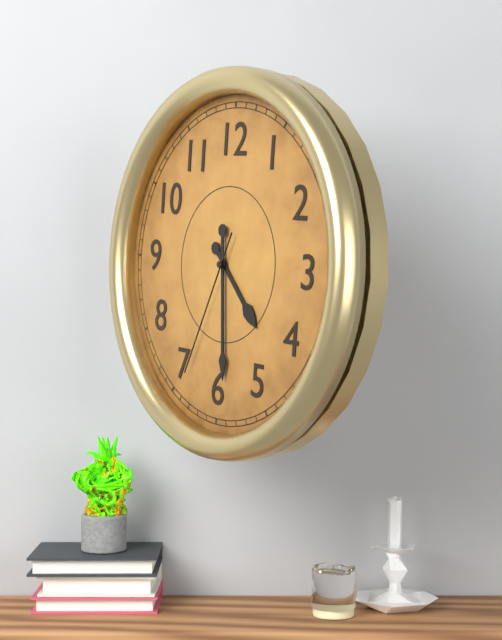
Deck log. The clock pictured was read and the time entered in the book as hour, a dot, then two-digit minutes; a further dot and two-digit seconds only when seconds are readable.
4.29.34
